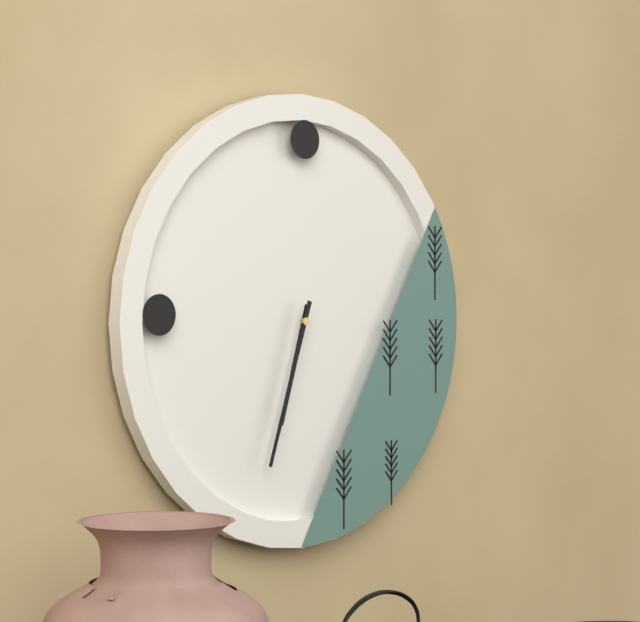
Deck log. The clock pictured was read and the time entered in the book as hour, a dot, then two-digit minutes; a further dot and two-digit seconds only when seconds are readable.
6.33
